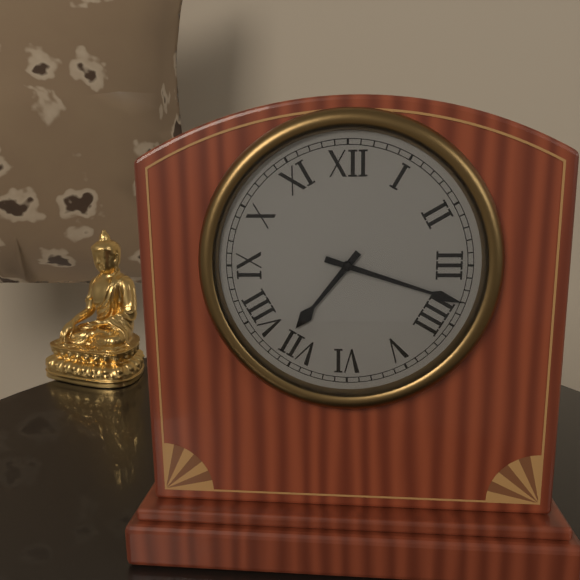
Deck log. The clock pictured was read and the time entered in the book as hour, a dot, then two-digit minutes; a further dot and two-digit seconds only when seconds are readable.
7.18
